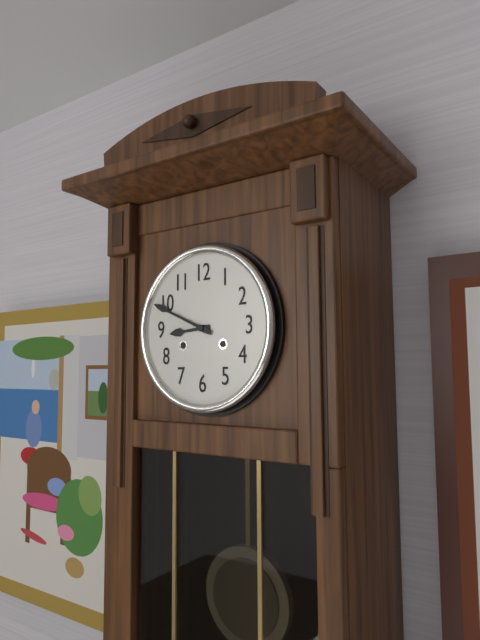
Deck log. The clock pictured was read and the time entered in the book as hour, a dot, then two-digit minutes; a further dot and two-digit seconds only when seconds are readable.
8.49
